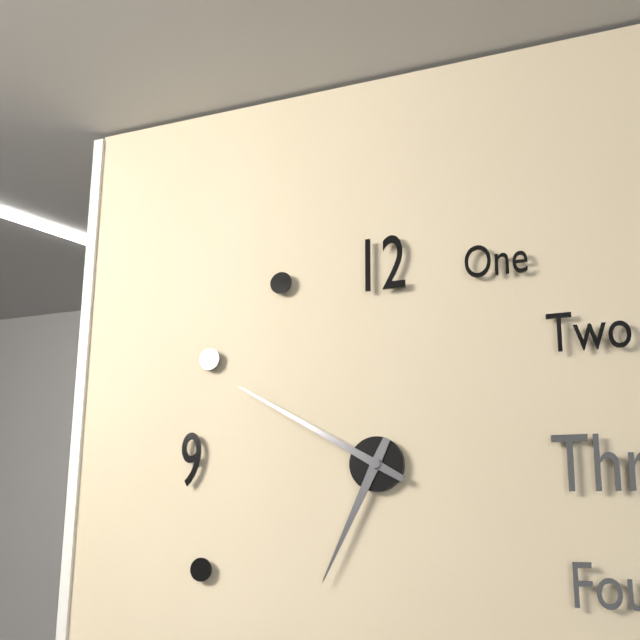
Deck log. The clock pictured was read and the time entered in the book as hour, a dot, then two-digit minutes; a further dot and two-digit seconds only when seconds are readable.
6.50
